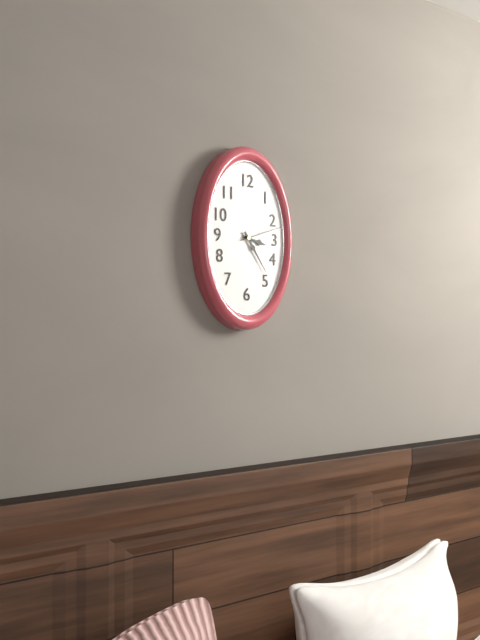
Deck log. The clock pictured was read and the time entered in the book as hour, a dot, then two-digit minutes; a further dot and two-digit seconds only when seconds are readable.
3.24
